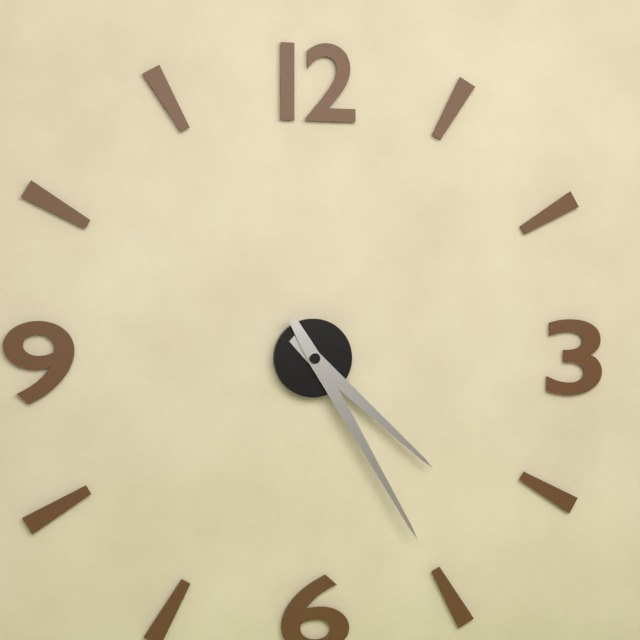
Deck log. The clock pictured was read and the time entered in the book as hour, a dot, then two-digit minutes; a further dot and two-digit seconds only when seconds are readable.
4.25
